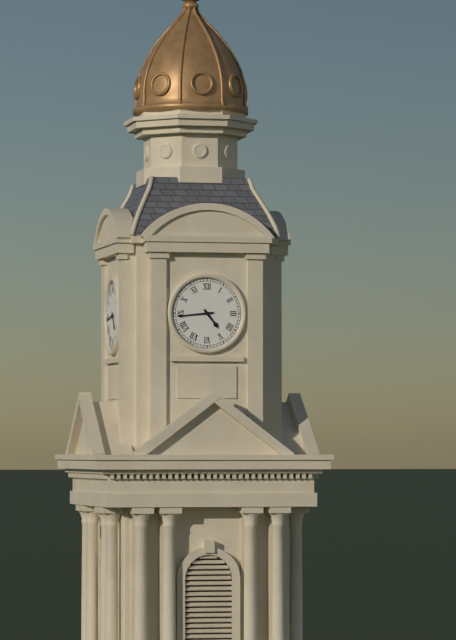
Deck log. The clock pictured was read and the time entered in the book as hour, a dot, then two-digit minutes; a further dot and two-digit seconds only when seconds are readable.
4.44
